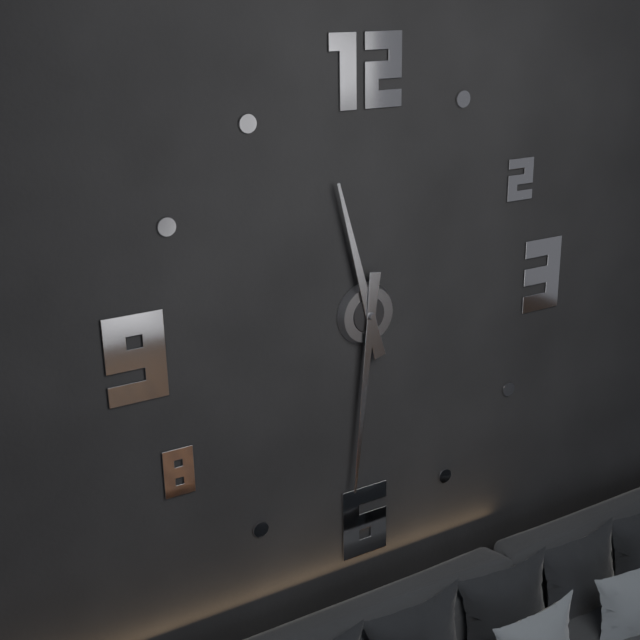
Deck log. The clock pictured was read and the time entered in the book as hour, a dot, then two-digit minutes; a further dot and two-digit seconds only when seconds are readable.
11.31
